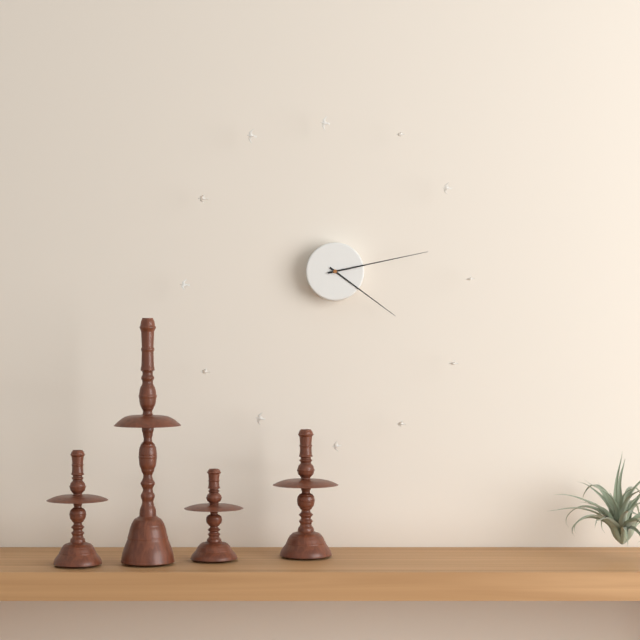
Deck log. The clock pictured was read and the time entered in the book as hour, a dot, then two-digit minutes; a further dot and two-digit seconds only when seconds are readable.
4.13
